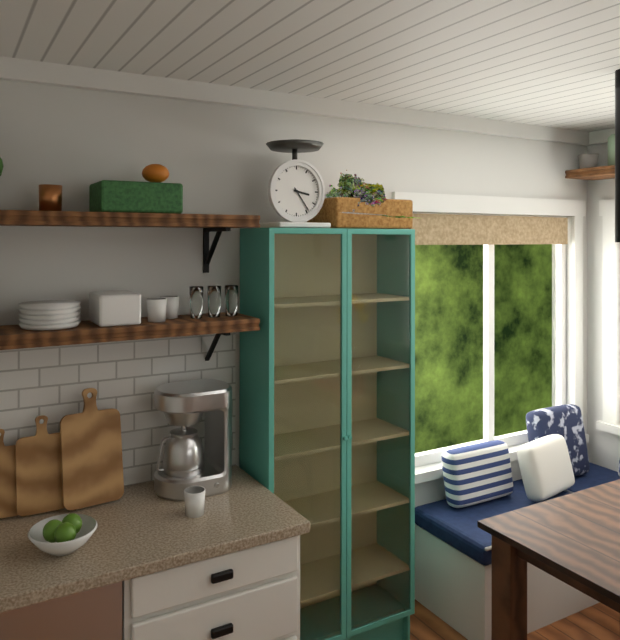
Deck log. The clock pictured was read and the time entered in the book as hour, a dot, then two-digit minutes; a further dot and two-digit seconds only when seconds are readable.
3.24
